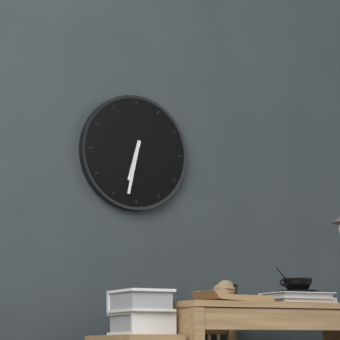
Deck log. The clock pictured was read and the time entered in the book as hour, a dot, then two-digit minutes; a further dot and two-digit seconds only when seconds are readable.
6.32
